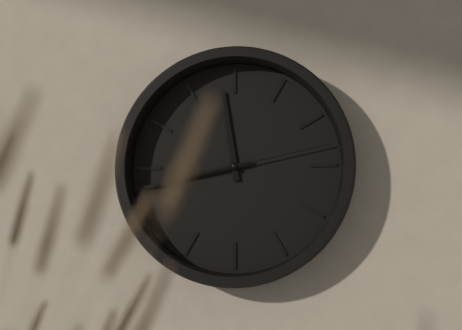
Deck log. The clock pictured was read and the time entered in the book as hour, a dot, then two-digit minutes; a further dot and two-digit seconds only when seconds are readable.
11.43.13
